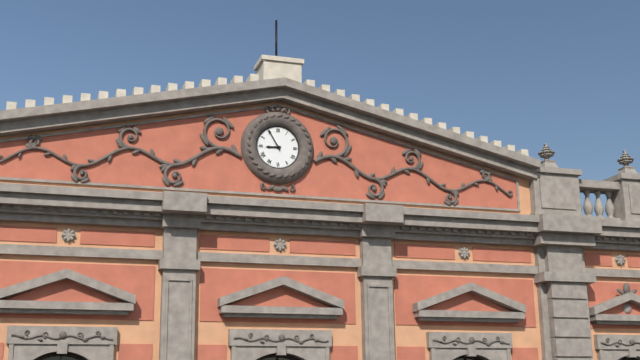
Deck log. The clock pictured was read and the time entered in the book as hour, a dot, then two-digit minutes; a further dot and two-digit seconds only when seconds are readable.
8.55
